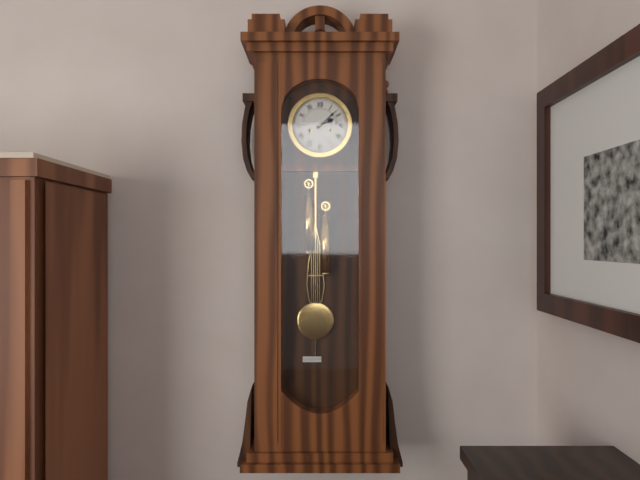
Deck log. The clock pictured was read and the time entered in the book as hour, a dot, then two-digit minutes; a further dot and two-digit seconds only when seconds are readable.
2.08
